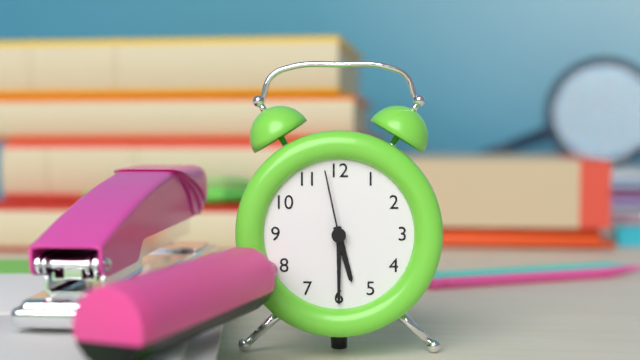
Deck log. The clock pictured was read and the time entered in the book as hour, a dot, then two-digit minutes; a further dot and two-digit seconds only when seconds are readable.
5.30.58
